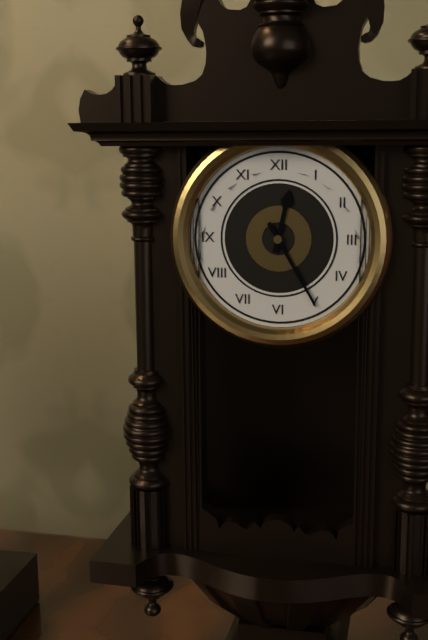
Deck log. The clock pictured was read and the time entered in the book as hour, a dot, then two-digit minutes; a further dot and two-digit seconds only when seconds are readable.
12.25
